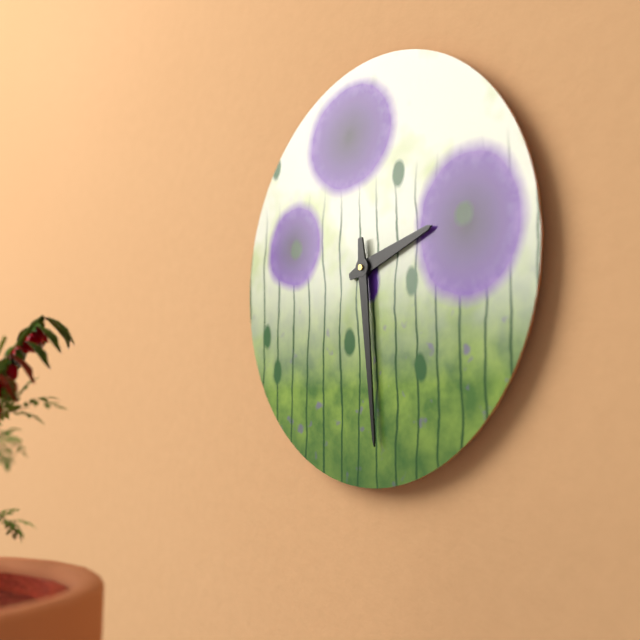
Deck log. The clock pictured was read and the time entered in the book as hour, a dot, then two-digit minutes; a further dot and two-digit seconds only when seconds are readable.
2.29
